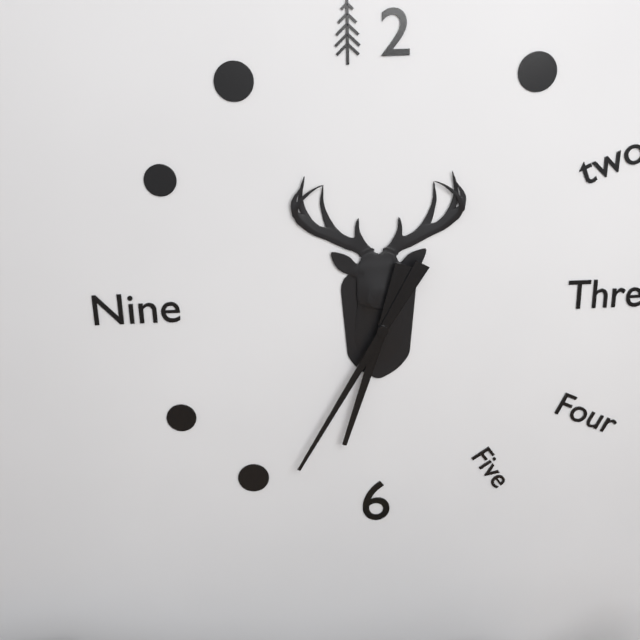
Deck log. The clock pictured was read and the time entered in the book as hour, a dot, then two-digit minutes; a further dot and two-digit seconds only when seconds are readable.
6.35
